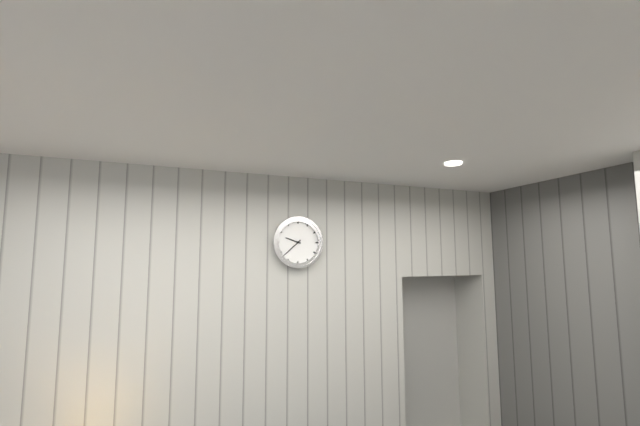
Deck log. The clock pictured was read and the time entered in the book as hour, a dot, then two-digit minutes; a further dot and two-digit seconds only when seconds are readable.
9.38
